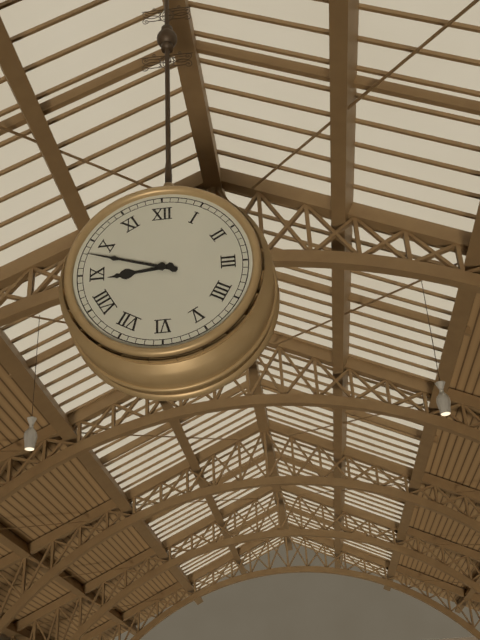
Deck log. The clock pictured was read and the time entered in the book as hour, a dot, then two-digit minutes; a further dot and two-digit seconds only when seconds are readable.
8.48
